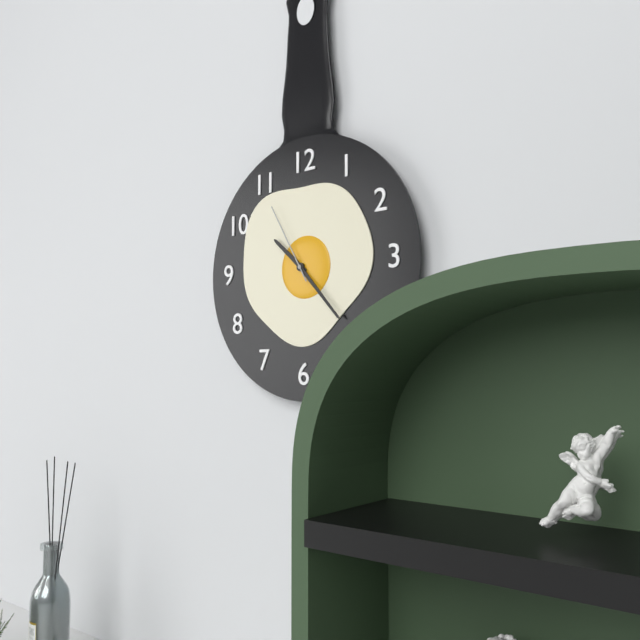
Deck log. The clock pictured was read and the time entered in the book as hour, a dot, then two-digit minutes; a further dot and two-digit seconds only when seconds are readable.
10.23.55
